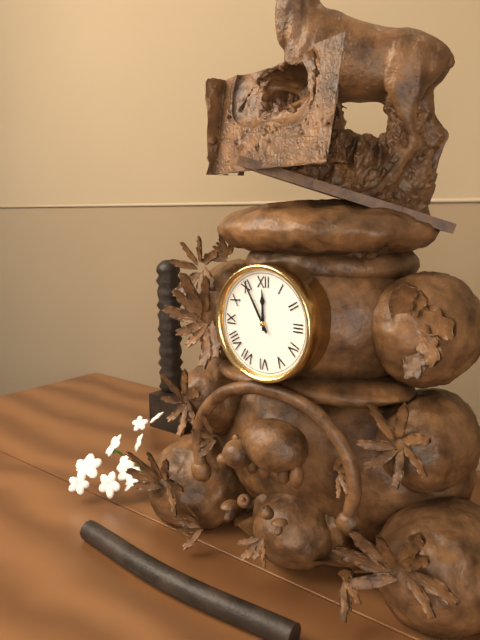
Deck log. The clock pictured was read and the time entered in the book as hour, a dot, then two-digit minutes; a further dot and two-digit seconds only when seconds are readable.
11.55
